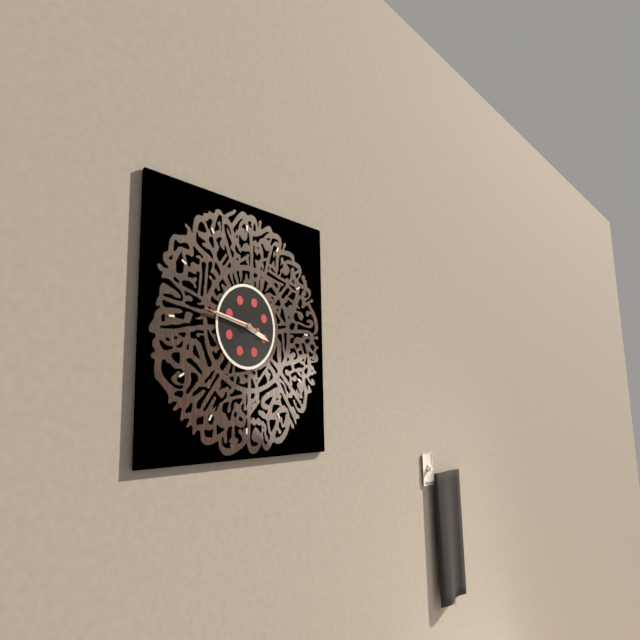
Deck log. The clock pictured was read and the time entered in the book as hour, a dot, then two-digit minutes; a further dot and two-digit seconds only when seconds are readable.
3.47.47
